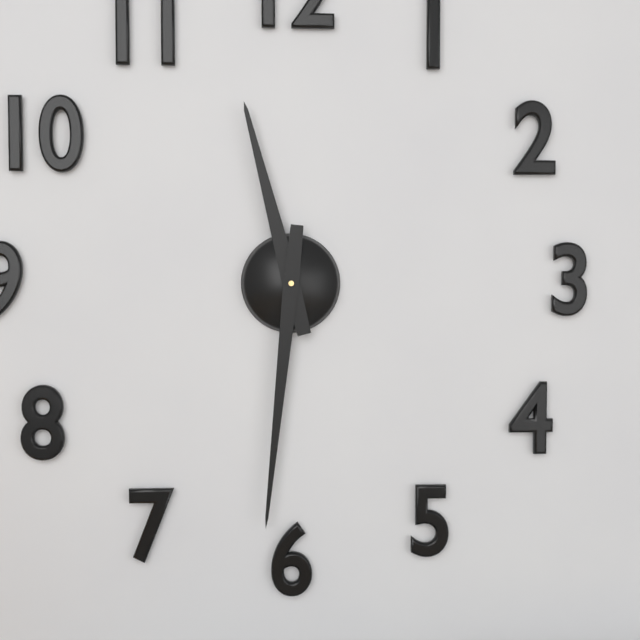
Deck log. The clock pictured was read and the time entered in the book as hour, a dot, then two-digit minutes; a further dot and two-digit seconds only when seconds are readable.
11.31
